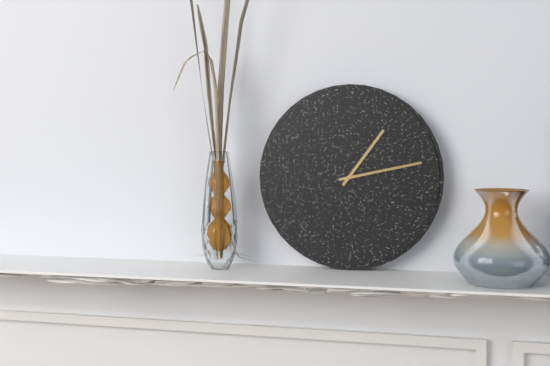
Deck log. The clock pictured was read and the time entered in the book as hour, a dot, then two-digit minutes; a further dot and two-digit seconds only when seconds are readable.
1.13
